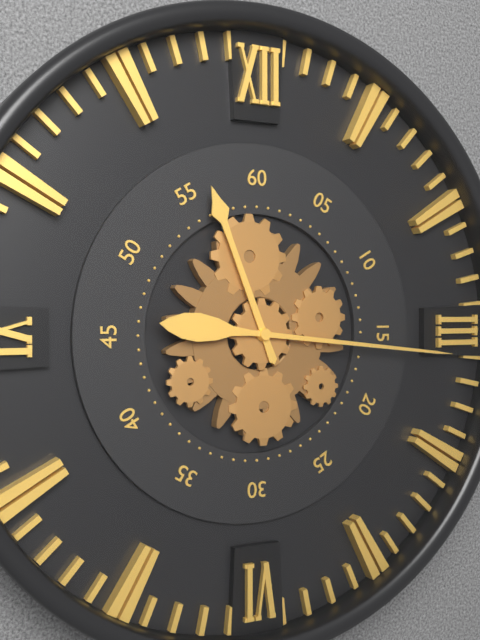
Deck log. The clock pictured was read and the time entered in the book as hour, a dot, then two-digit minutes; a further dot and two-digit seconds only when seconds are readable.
11.16
